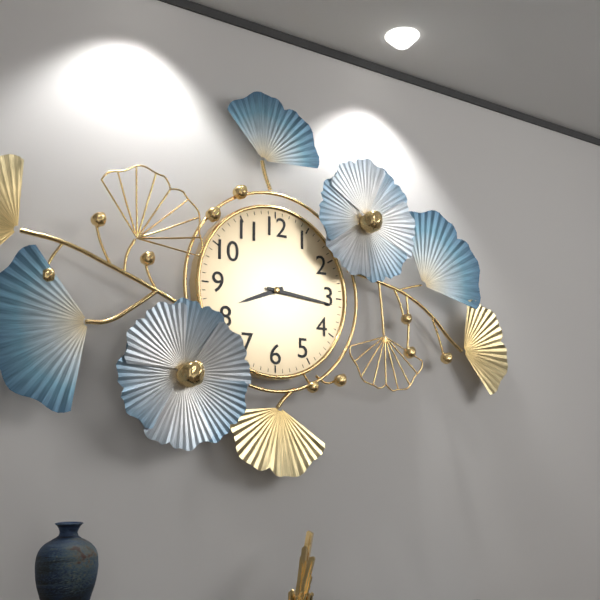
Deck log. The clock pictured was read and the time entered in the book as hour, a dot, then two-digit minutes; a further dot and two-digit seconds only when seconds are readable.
8.16
